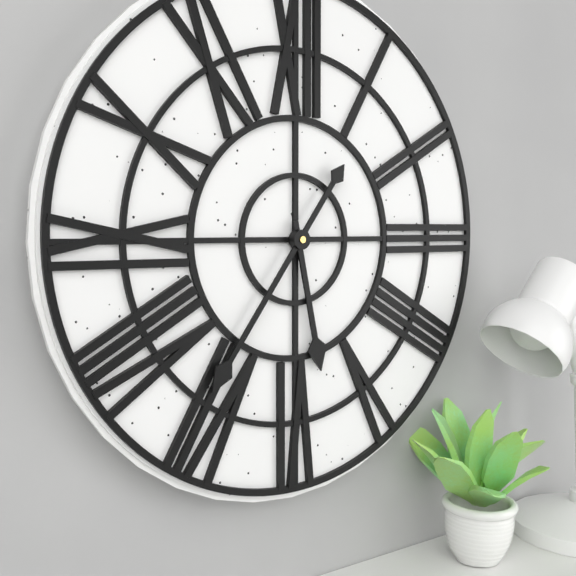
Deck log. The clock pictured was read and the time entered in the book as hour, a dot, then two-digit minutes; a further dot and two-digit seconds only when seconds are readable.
5.36
